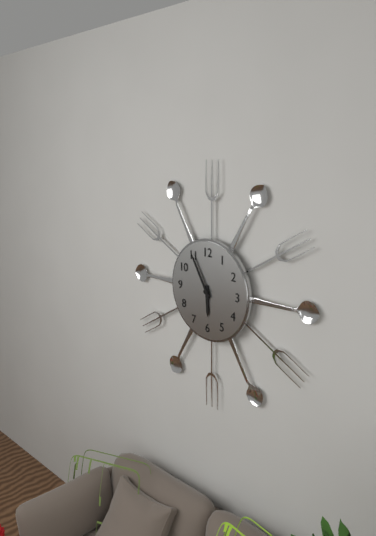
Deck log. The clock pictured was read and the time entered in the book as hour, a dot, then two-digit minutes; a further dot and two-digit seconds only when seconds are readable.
5.55
